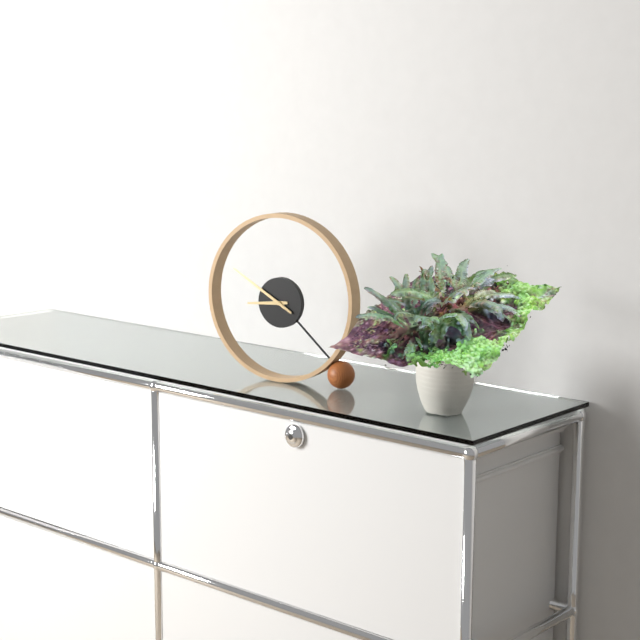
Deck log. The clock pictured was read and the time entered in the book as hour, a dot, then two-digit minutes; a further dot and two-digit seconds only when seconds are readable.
8.50
